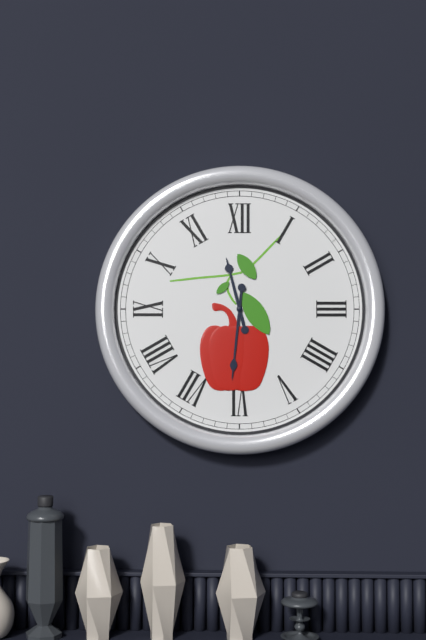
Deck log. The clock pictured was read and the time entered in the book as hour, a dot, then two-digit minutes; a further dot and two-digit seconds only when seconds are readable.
11.31
